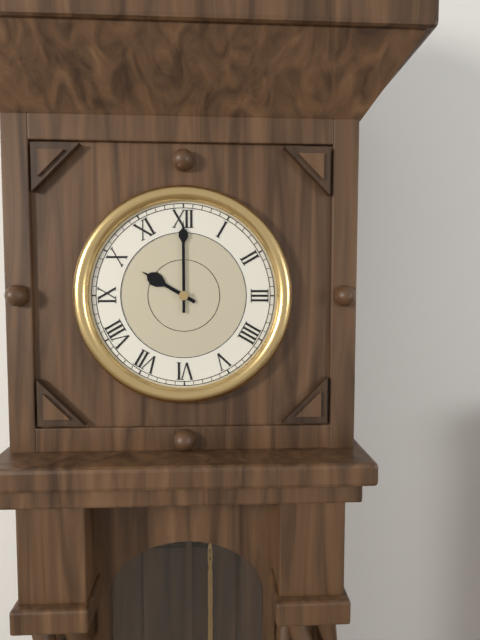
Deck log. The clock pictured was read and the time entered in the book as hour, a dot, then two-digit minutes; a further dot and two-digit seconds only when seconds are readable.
10.00
